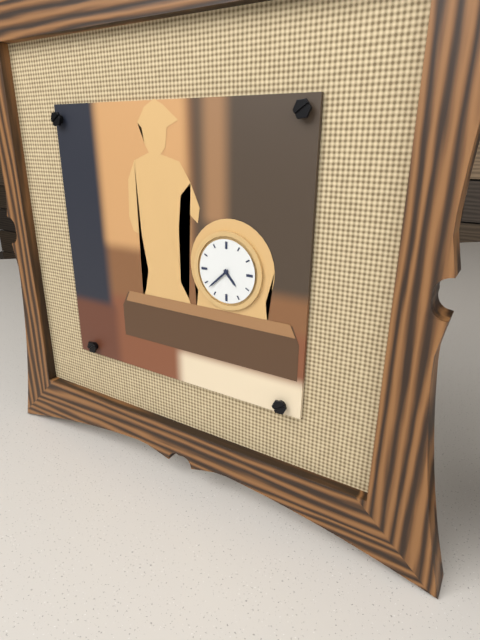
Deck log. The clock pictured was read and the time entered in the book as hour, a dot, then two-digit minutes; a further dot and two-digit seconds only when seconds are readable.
4.38
